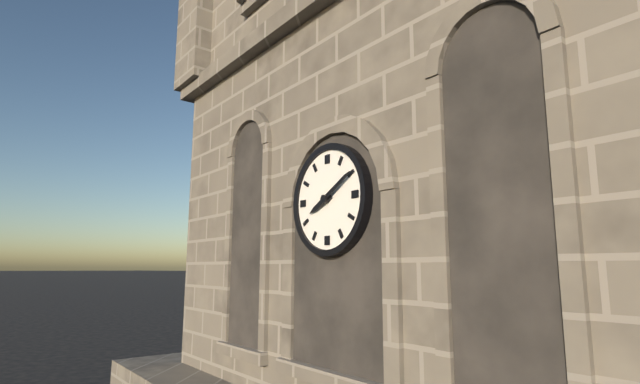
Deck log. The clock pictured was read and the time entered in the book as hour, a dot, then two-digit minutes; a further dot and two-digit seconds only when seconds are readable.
8.10
